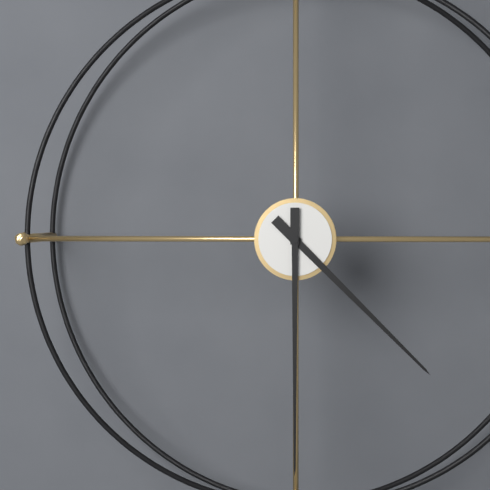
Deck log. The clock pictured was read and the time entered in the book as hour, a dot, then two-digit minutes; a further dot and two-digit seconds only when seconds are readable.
4.30
